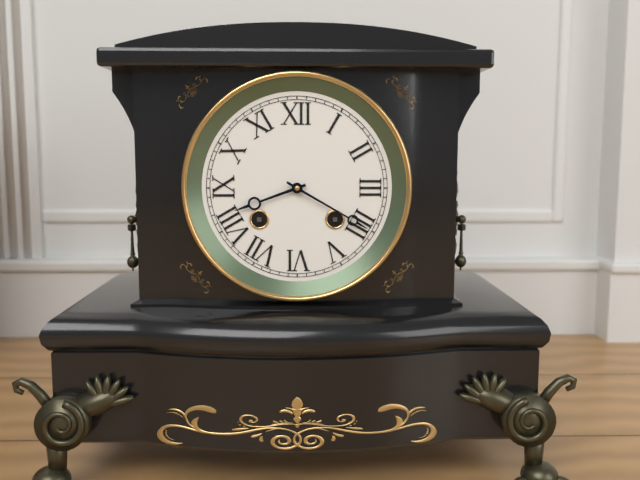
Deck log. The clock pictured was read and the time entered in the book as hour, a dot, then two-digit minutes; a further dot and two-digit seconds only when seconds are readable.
8.20
